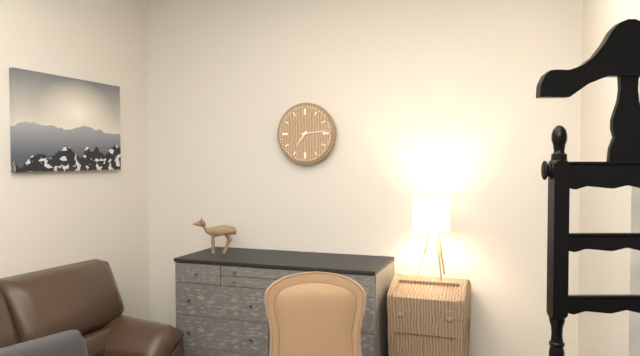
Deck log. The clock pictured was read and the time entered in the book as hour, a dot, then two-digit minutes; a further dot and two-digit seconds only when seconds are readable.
7.14
